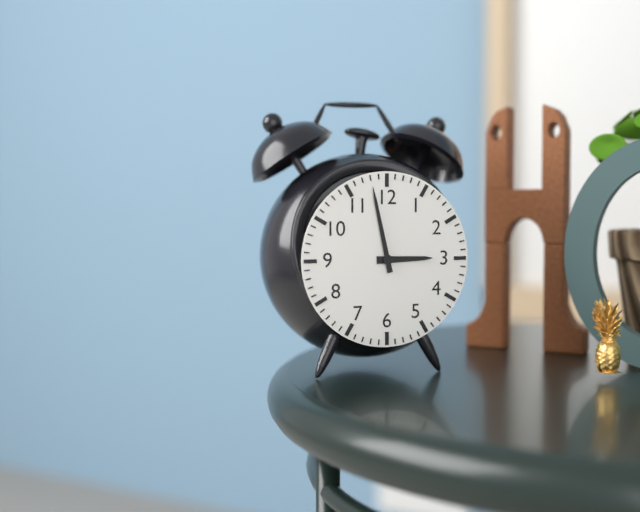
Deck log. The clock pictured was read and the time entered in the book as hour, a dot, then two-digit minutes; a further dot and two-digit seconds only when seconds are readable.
2.58
